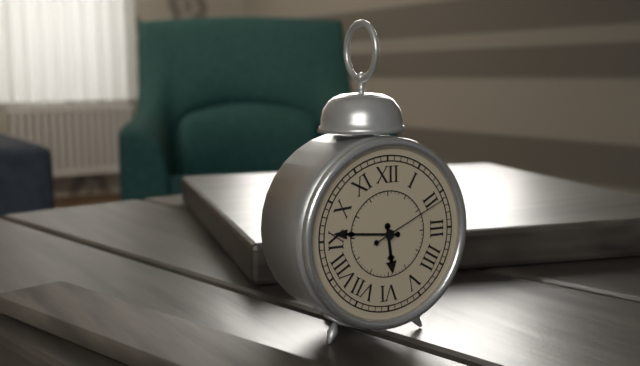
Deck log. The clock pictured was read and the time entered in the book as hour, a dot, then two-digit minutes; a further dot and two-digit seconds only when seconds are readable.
5.46.11
